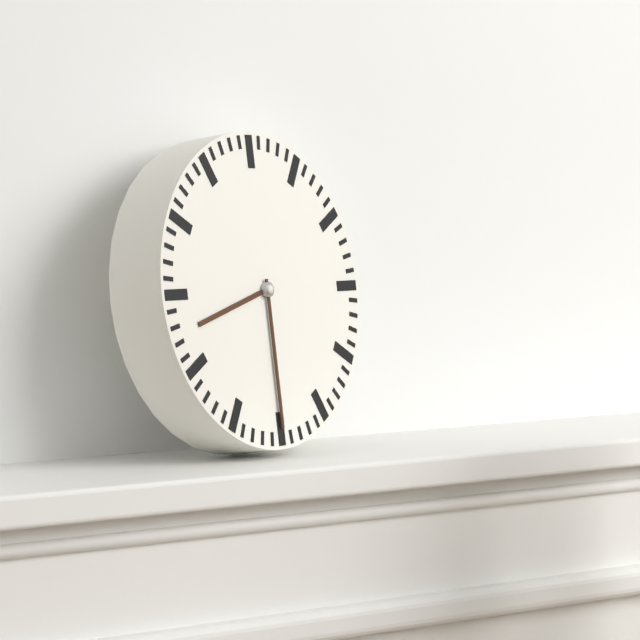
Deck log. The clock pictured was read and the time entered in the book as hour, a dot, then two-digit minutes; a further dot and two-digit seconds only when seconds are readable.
8.30
